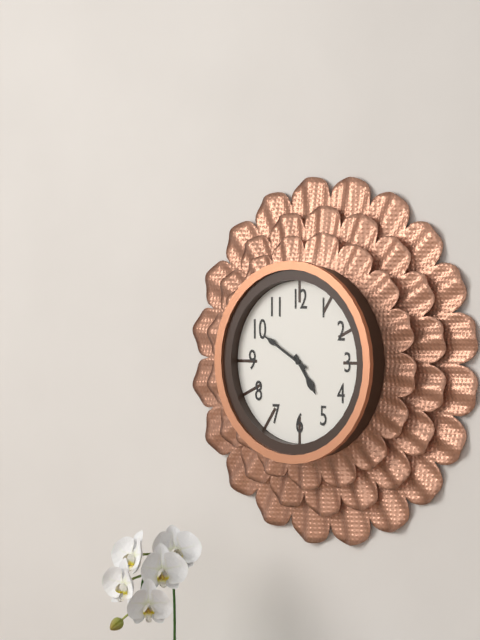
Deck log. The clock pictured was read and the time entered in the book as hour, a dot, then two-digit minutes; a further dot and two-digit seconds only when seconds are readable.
4.50
